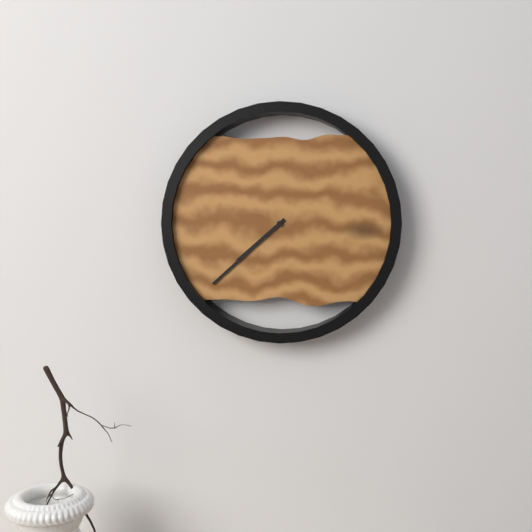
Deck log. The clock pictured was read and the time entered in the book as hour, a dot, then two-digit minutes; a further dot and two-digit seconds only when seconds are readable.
7.38
